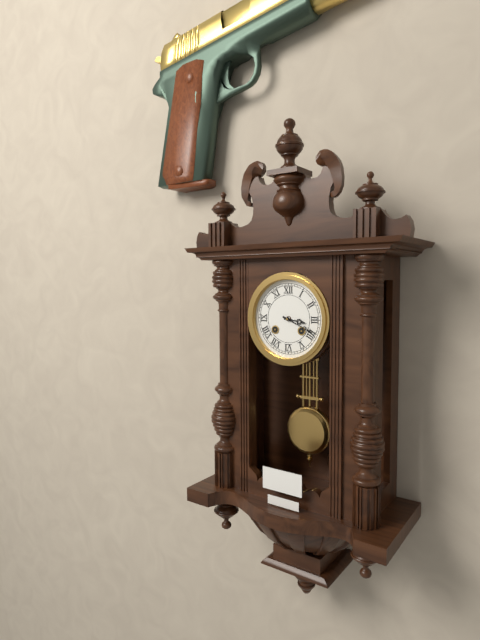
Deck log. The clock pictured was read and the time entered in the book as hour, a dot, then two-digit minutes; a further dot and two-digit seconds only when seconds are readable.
3.19
